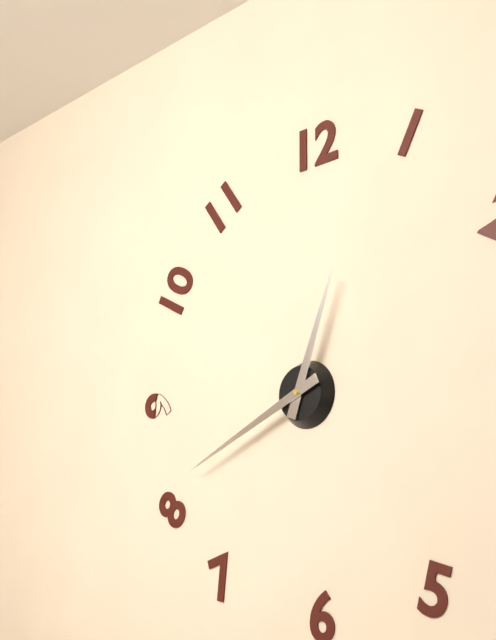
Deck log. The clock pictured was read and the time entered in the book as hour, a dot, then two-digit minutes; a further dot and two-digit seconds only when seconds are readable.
12.41
